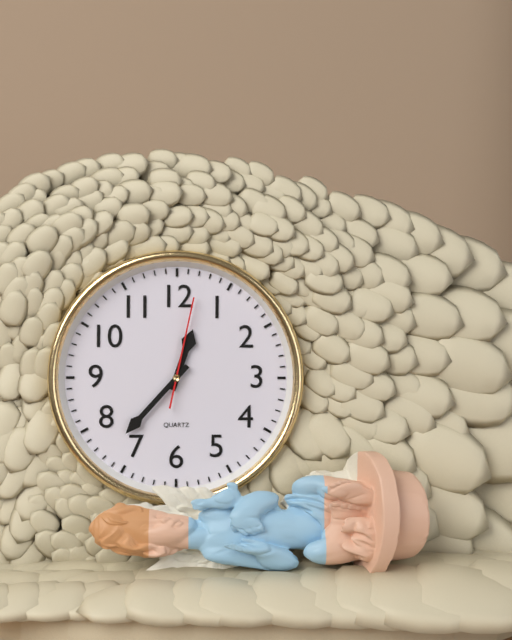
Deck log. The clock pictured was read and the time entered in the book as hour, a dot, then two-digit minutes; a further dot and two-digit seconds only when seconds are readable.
12.37.02
